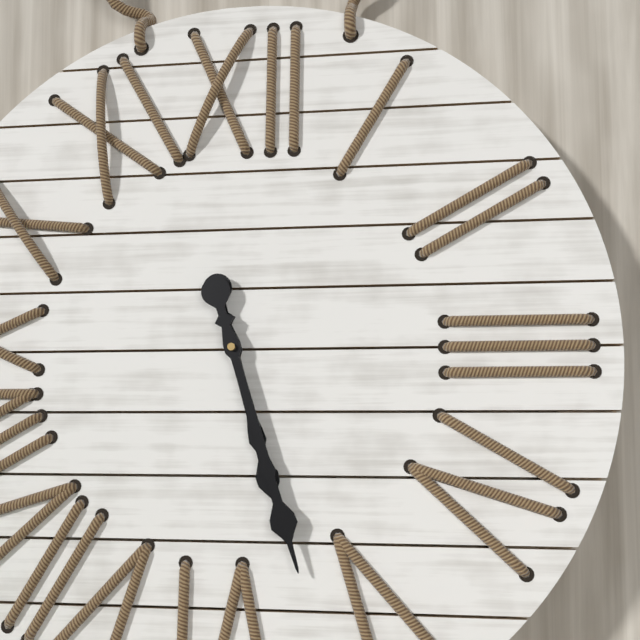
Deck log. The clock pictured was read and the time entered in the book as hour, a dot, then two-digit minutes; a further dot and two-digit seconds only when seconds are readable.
5.27
